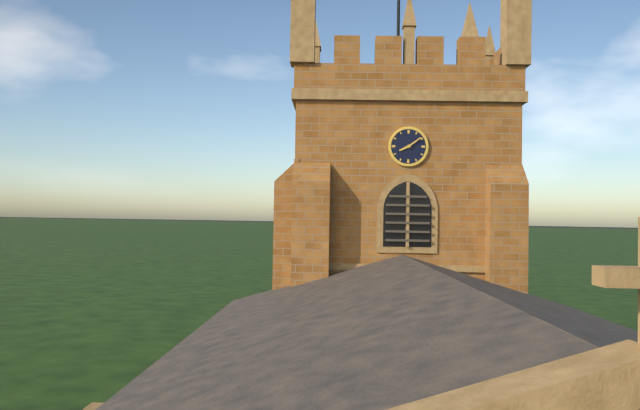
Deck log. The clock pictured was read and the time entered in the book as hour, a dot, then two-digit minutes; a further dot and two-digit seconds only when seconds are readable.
8.09
